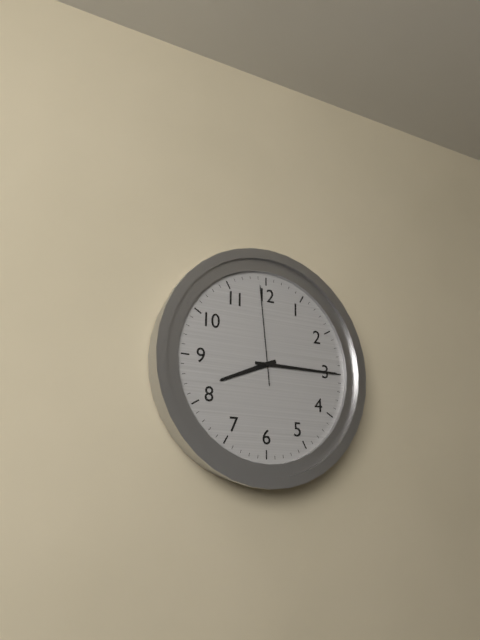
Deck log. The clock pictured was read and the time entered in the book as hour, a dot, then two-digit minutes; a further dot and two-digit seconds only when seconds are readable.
8.15.59
